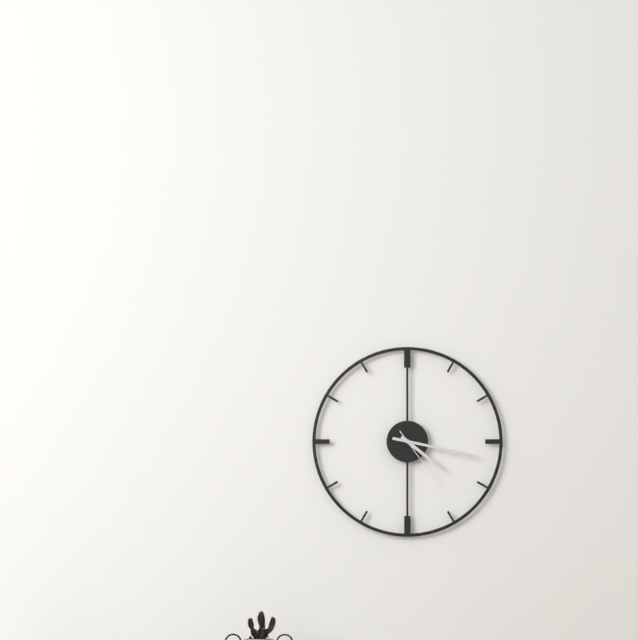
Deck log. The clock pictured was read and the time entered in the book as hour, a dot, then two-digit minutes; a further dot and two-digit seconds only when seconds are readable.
4.17.24
